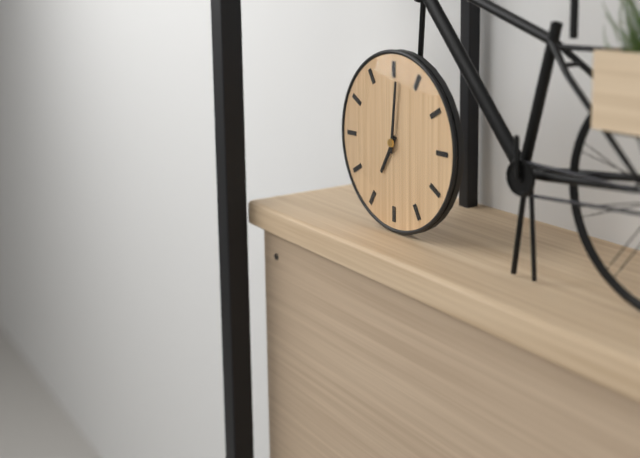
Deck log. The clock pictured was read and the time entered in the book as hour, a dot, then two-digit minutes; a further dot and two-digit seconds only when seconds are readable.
7.01
